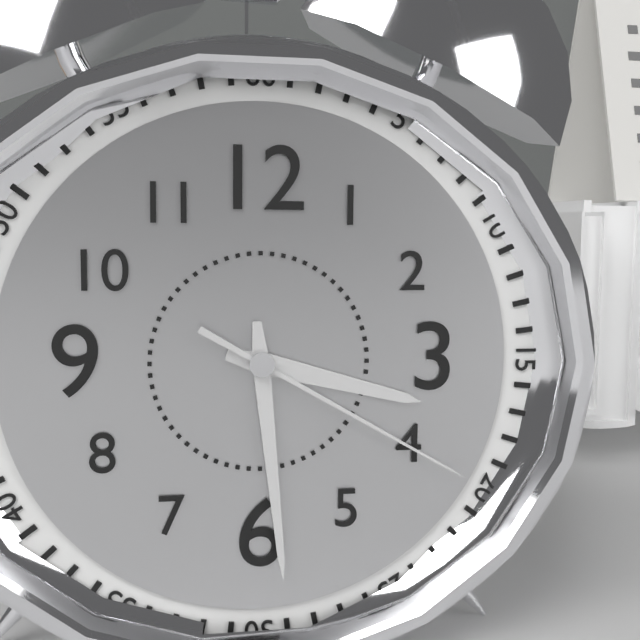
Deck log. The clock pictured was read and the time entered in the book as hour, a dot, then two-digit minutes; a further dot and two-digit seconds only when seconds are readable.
3.29.20
